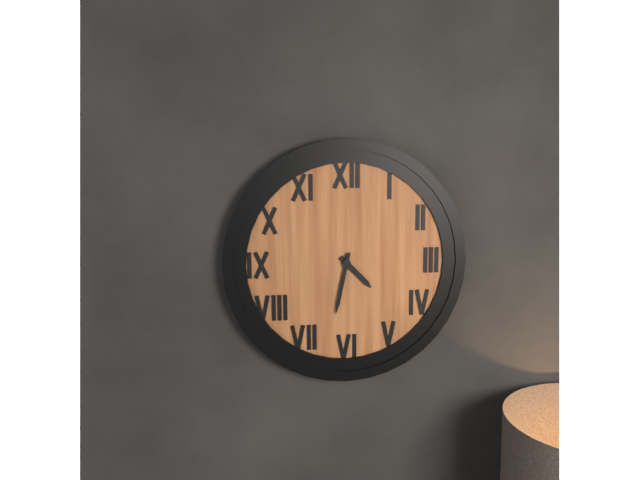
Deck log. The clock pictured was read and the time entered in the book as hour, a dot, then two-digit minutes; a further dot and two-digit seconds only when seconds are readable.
4.32
